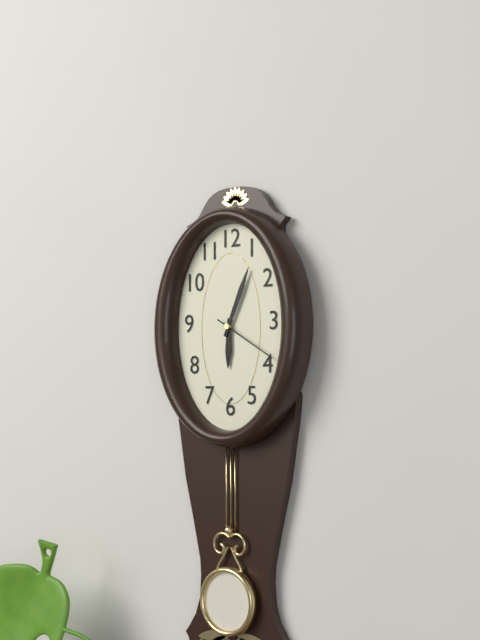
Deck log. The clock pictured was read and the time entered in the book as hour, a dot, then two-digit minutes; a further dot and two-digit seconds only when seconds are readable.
6.04.20
